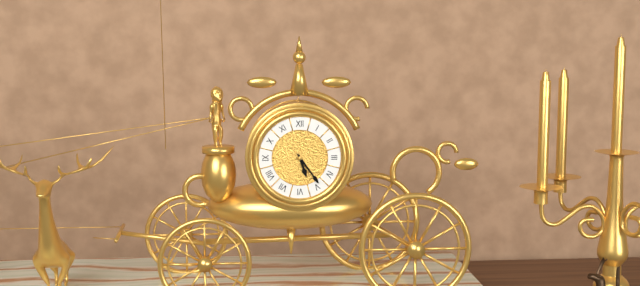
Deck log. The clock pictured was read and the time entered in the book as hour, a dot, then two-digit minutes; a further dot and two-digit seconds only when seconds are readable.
5.24
